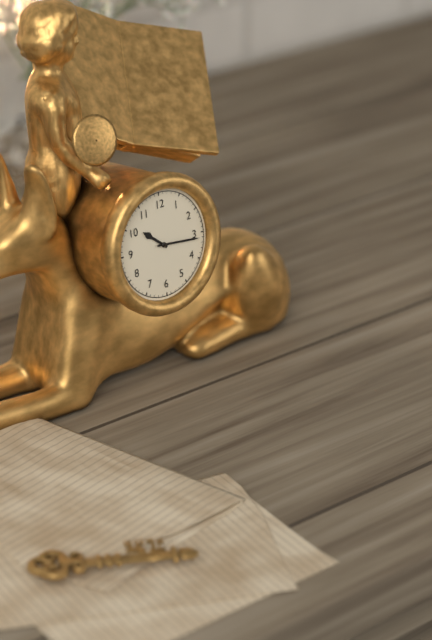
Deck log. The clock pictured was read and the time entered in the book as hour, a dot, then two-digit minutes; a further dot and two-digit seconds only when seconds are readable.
10.16
